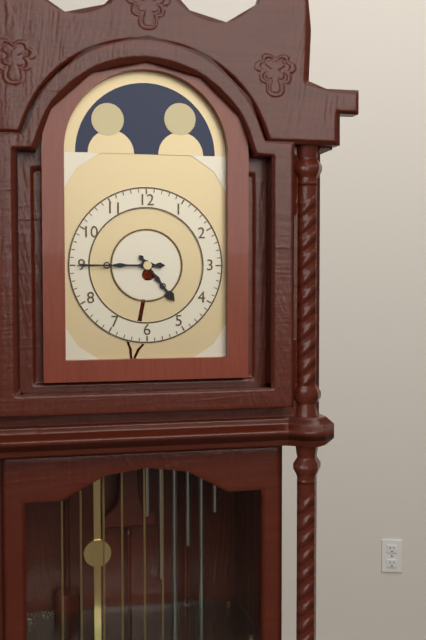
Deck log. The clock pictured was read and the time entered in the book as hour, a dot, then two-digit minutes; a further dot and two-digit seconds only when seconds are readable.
4.45
